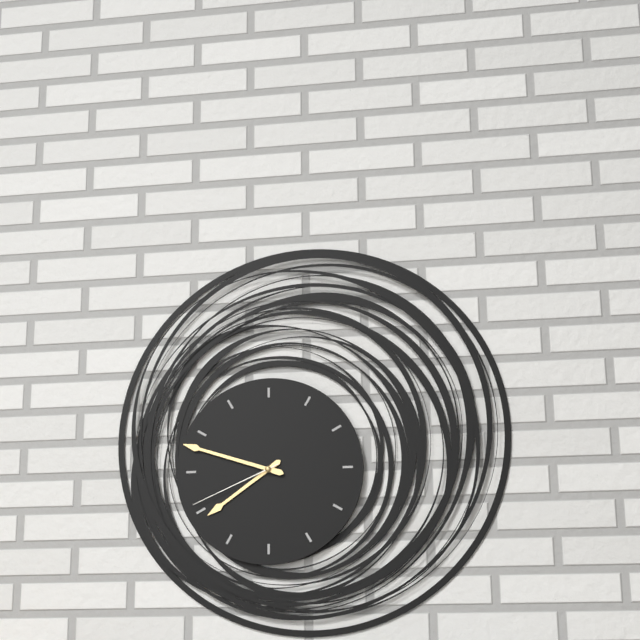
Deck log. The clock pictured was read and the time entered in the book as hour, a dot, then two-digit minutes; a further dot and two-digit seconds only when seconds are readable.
7.48.41
